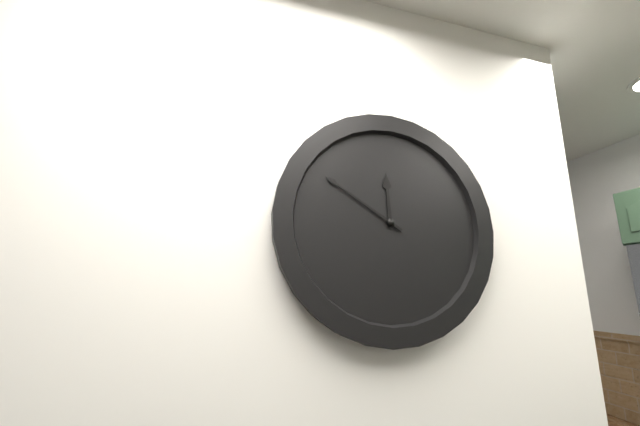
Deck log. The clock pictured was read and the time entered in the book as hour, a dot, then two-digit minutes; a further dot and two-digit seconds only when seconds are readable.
11.50
